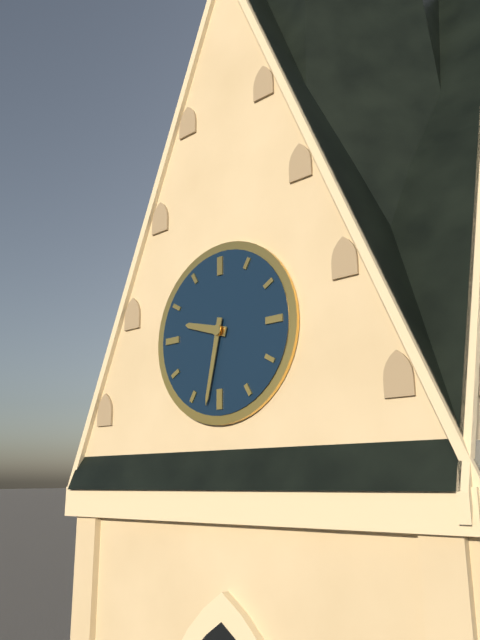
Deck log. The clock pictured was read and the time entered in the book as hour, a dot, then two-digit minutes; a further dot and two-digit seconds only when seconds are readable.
9.32
